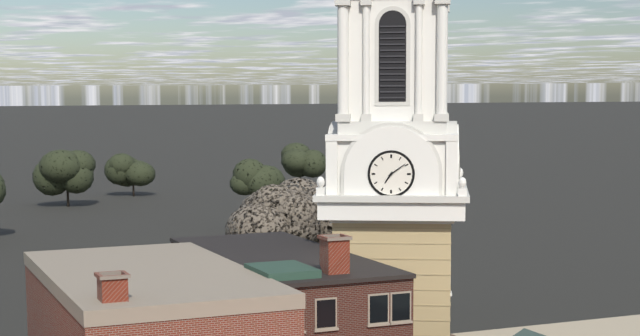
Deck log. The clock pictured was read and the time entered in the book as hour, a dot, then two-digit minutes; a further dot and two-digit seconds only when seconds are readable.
7.09
